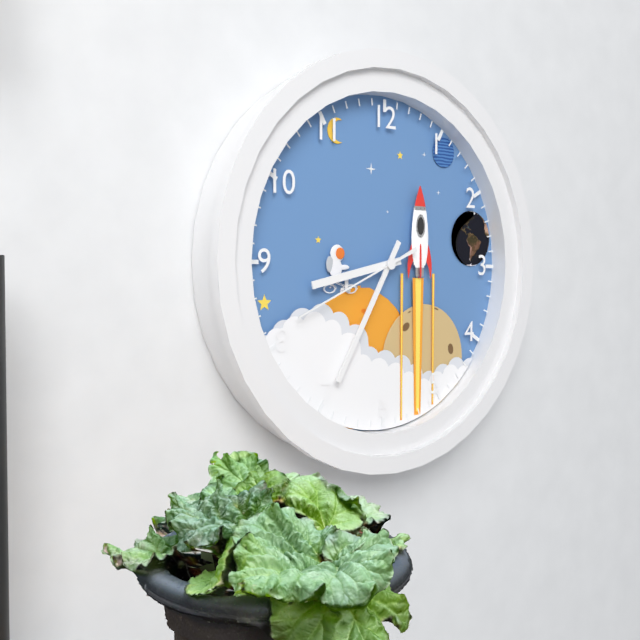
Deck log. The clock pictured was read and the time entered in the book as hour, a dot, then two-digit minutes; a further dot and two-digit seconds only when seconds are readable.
8.35.41
